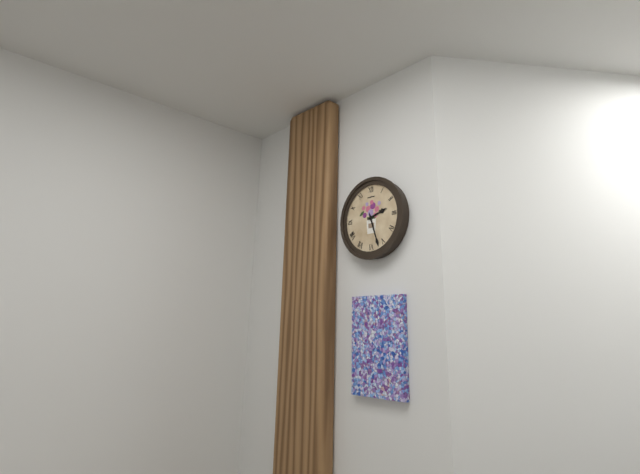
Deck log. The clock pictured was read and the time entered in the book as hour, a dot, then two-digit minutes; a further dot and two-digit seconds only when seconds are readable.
2.27
